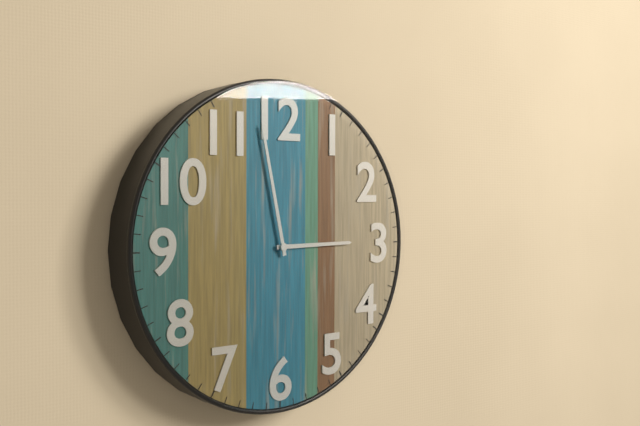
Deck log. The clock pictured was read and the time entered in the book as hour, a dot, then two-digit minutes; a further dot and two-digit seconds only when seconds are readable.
2.58
